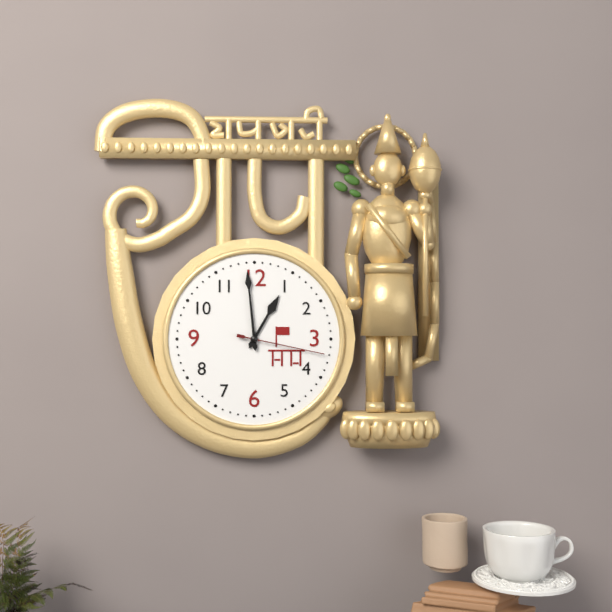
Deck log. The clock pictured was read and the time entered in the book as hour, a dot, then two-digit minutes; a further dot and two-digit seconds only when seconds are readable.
12.59.17
